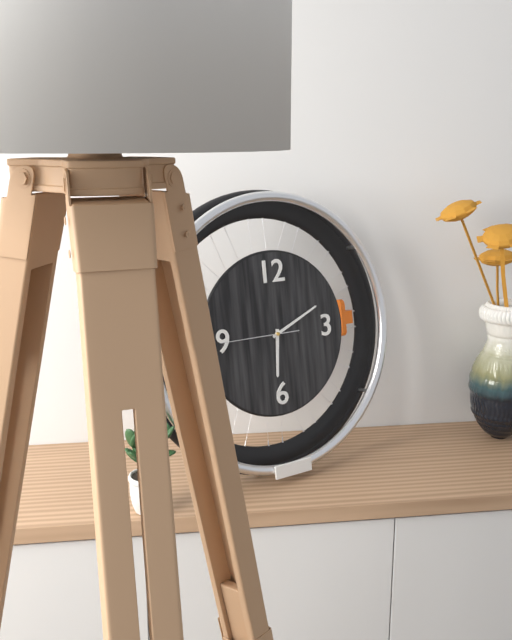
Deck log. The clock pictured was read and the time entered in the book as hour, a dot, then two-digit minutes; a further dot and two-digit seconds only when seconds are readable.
6.11.45
